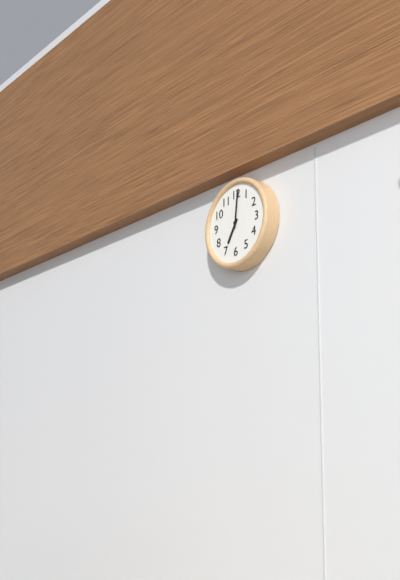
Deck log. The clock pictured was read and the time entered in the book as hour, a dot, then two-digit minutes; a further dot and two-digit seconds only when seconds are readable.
7.01
